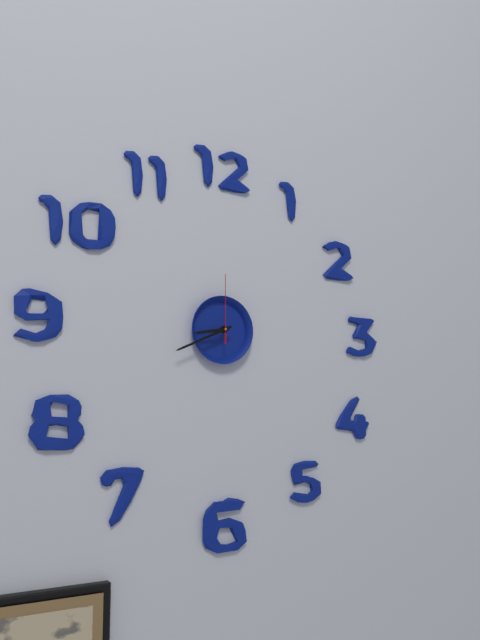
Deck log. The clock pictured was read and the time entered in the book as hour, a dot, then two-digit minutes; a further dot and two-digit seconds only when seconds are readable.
8.41.00
